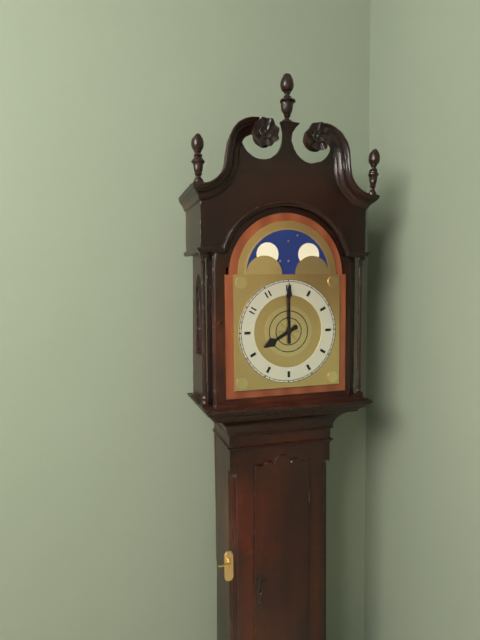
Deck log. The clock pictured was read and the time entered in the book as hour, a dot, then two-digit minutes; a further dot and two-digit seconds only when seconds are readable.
8.00
